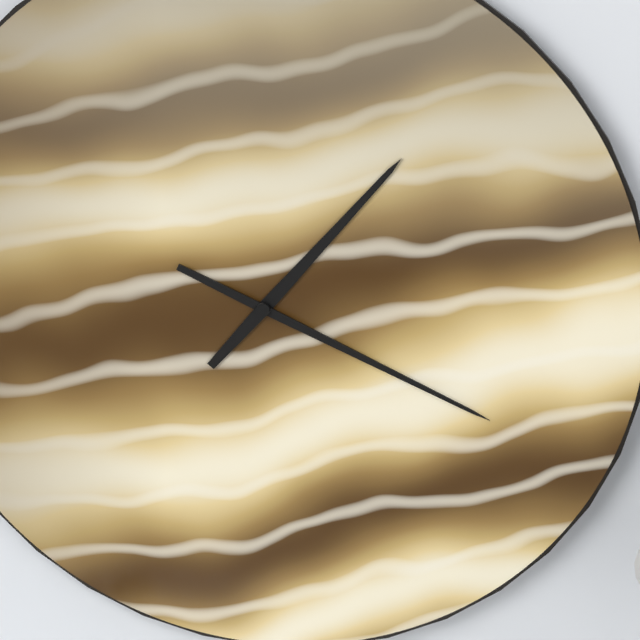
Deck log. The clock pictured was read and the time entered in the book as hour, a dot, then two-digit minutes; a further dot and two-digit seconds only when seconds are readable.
1.19
